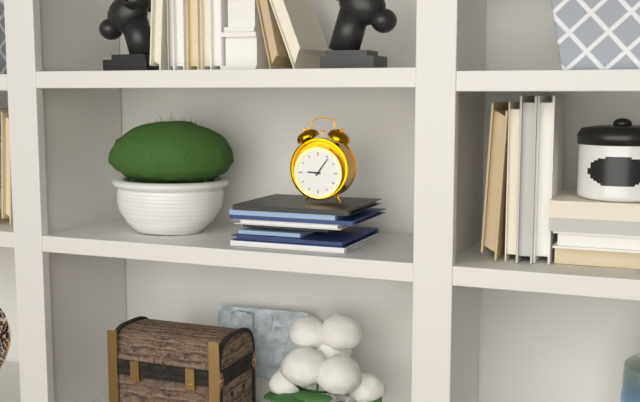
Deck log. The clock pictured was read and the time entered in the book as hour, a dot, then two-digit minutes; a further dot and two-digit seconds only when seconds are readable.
9.06
